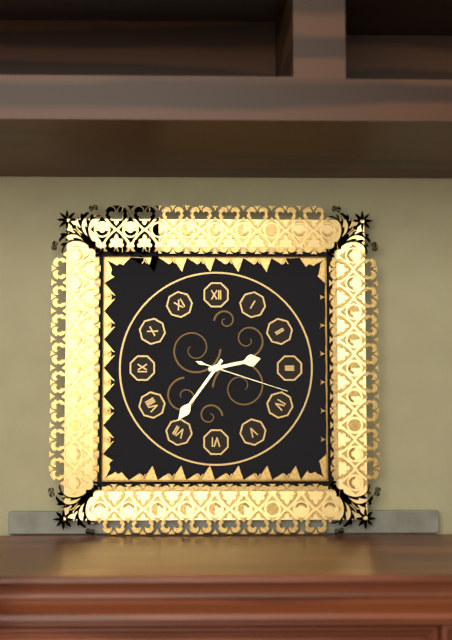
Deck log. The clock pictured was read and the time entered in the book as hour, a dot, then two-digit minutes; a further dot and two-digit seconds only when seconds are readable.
2.36.18
